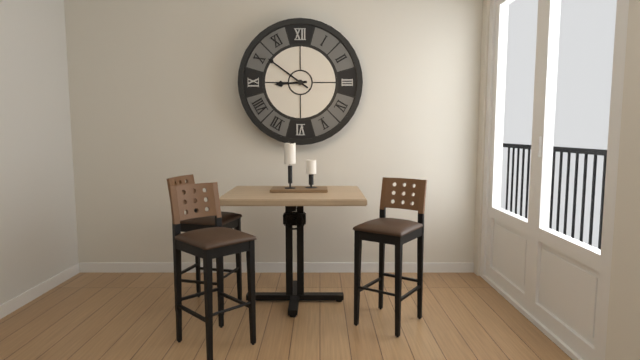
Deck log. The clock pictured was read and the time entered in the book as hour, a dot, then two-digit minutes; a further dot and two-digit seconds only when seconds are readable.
8.51
